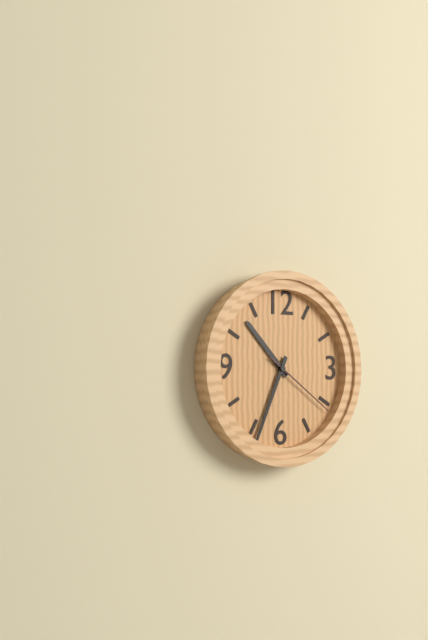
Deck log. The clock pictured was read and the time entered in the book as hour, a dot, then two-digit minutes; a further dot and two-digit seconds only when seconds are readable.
10.34.21
